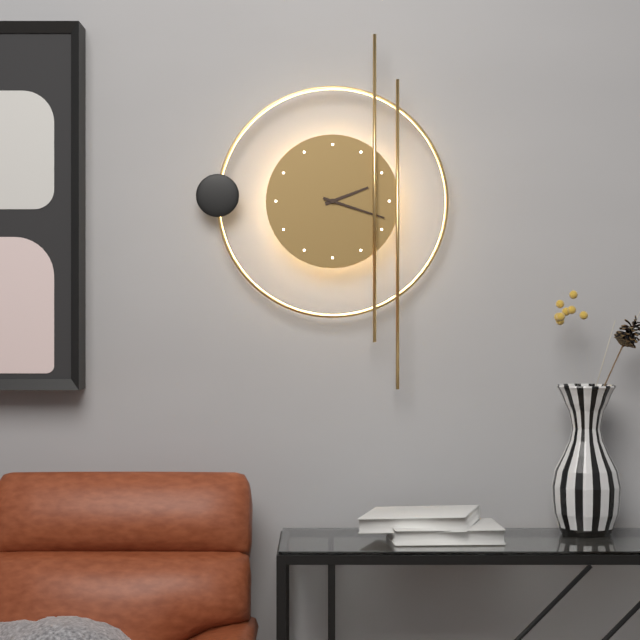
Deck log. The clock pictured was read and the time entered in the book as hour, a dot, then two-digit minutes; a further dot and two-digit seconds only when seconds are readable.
2.18
